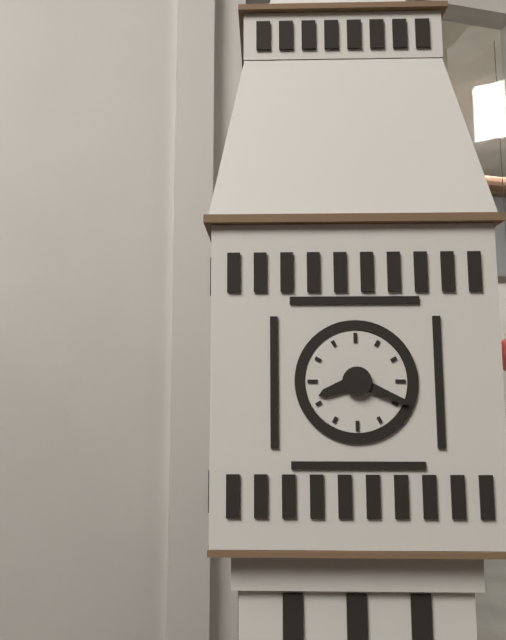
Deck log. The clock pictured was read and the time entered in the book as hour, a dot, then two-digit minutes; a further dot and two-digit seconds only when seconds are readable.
8.19
